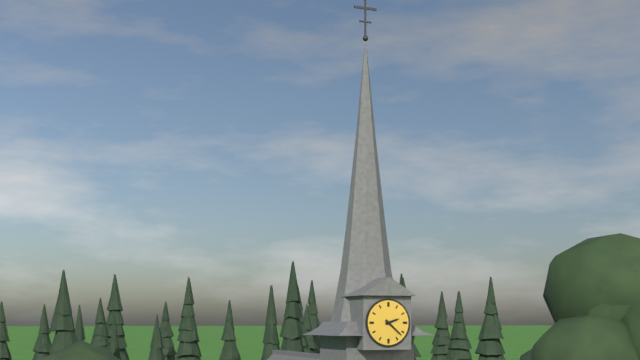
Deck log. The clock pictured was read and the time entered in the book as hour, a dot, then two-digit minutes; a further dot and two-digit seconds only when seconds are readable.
2.22
